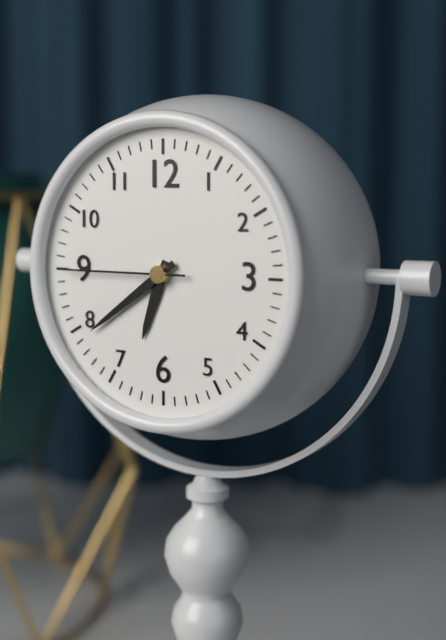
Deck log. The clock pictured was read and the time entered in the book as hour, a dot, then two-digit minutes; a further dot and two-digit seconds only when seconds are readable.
6.39.45
